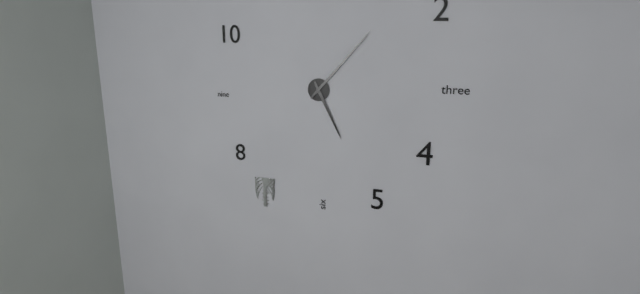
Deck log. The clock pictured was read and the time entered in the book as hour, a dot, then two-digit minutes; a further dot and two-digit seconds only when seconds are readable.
5.07
